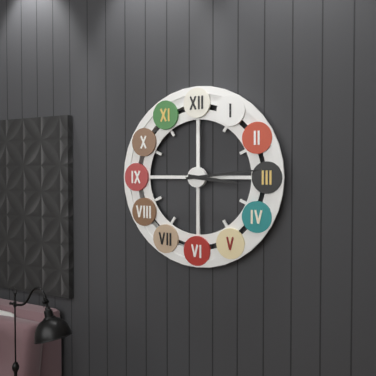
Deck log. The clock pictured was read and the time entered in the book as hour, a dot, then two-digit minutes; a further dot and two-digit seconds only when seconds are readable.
3.14
